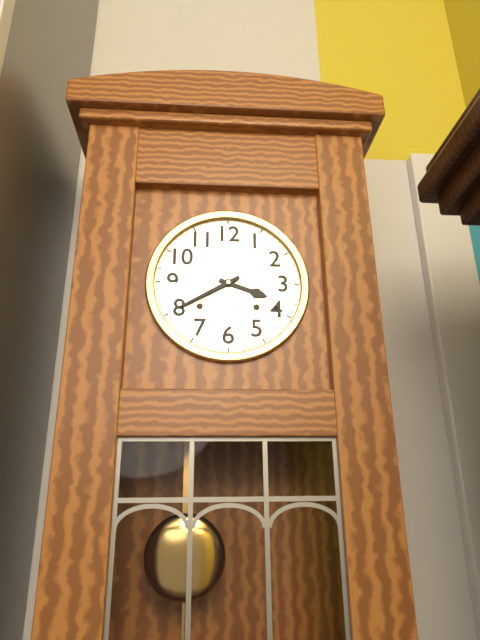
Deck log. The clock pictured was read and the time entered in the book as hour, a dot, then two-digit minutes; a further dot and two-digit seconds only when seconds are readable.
3.40
